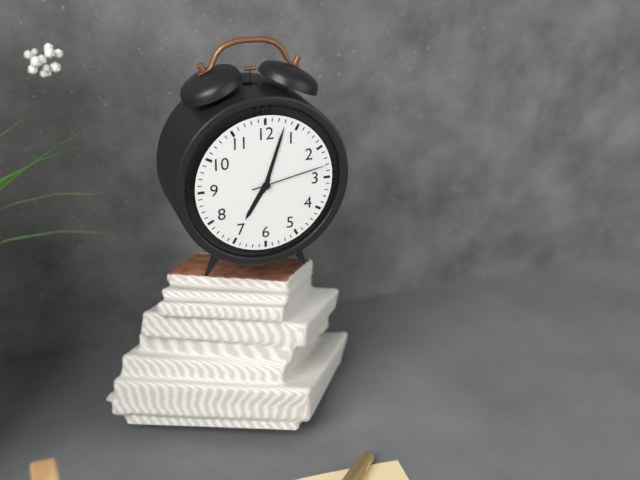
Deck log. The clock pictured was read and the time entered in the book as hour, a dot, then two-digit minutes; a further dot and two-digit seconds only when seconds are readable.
7.03.13
